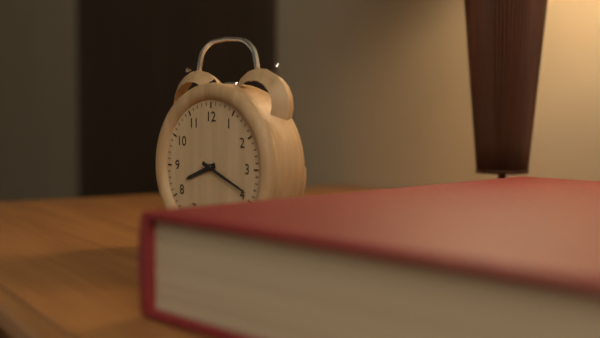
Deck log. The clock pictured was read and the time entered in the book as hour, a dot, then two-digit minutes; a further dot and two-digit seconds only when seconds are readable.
8.19
